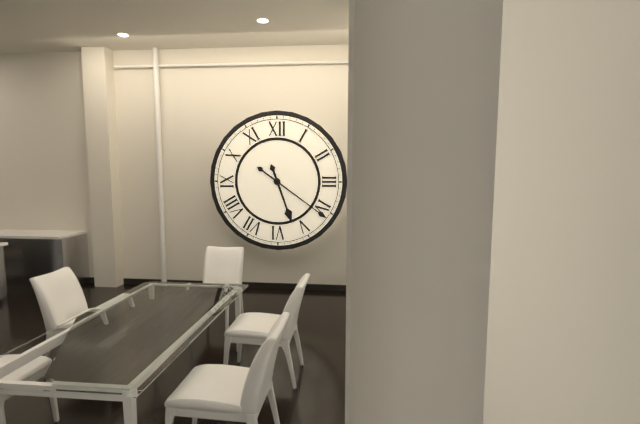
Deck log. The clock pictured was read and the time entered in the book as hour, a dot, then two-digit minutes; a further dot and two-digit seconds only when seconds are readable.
5.21
